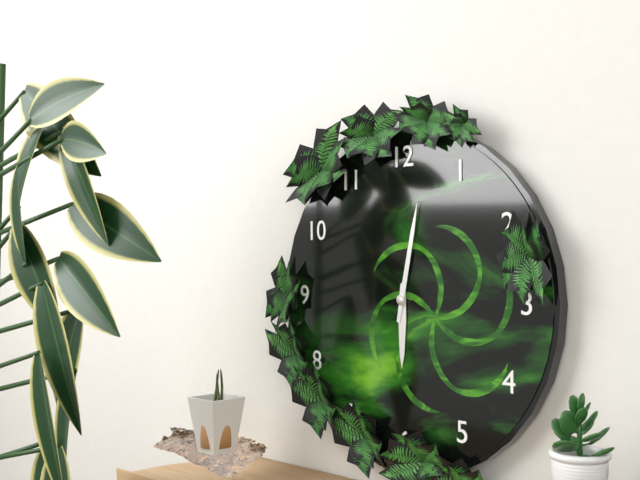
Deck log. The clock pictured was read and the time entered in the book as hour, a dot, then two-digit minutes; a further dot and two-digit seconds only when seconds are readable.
6.02
